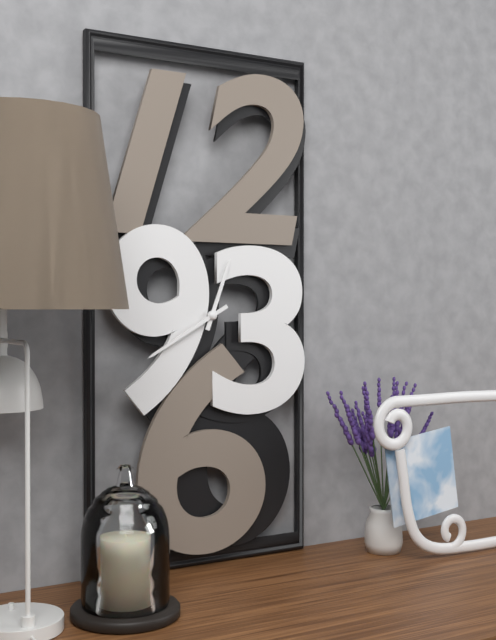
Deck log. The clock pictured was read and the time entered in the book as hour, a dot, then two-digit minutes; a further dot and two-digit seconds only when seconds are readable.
12.40
